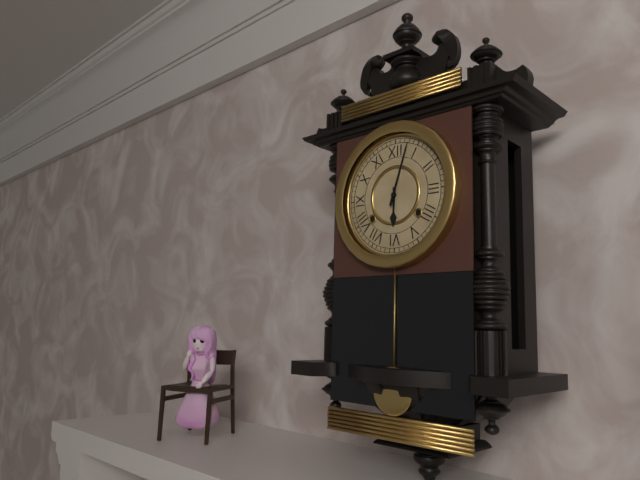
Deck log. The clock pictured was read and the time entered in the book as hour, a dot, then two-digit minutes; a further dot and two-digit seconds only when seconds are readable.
6.03
